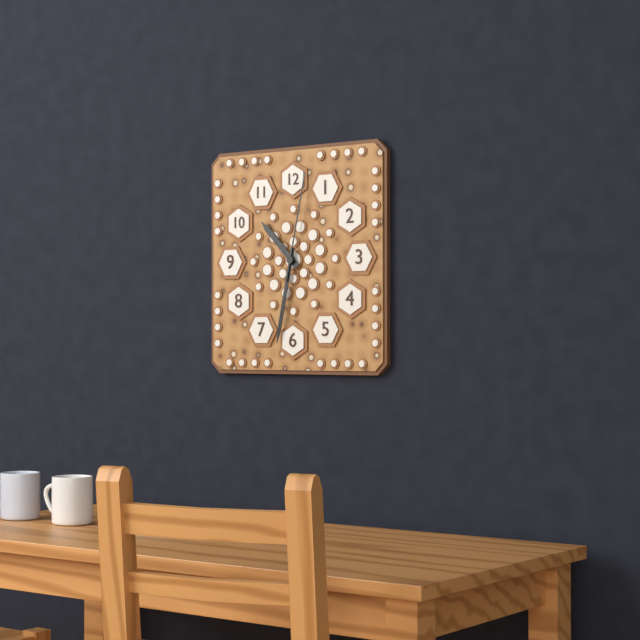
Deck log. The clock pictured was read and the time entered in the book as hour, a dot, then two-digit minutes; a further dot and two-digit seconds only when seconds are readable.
10.32.02
